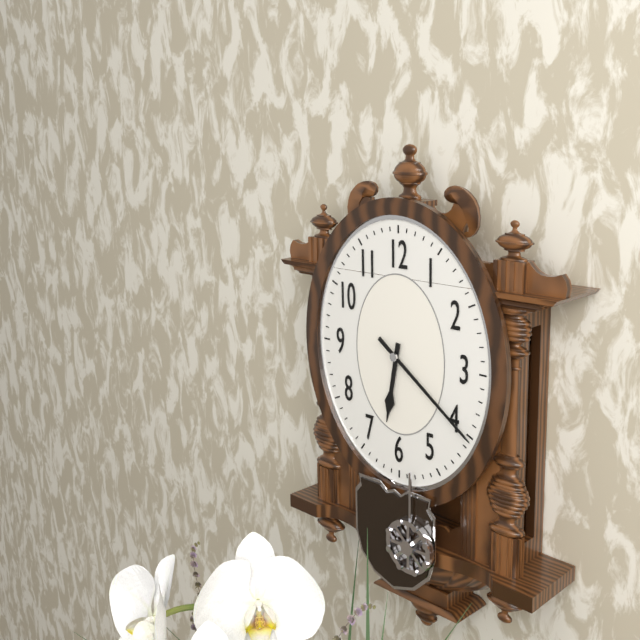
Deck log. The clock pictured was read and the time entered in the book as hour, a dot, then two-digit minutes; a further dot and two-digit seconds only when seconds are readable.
6.21
